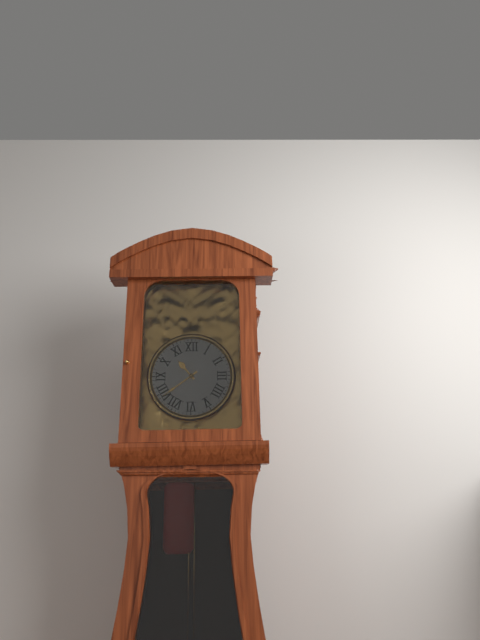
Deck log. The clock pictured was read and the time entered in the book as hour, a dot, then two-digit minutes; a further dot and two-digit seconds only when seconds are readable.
10.39
